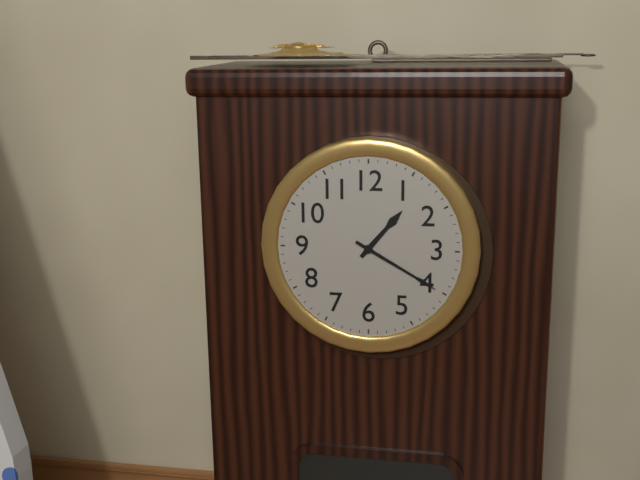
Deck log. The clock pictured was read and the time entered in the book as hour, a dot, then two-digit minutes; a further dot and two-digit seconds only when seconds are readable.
1.20
